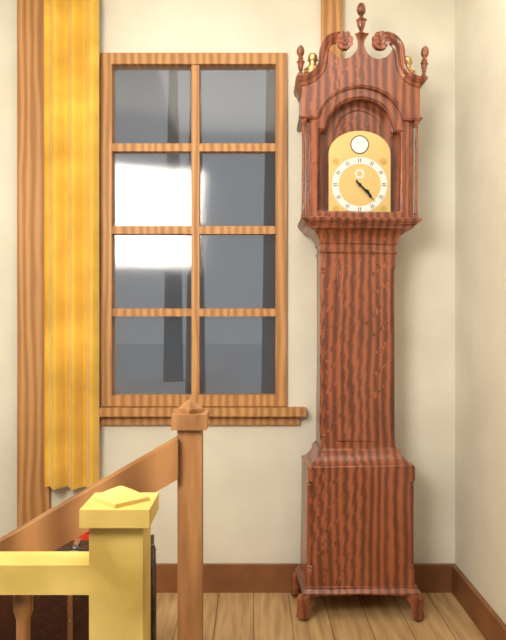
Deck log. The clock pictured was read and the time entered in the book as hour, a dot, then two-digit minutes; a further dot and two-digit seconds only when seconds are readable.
4.23
